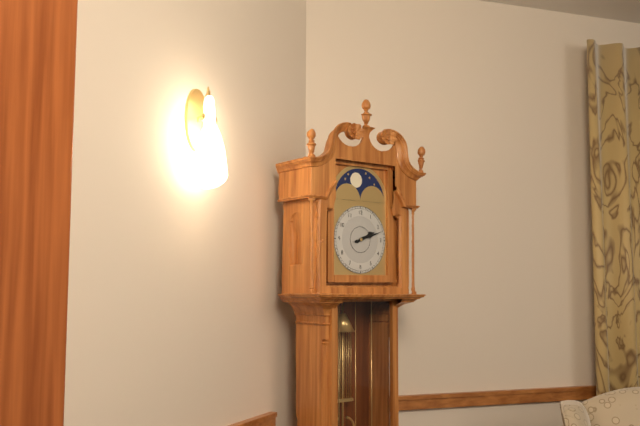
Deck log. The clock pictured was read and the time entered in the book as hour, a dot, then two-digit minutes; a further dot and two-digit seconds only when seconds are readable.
2.12
